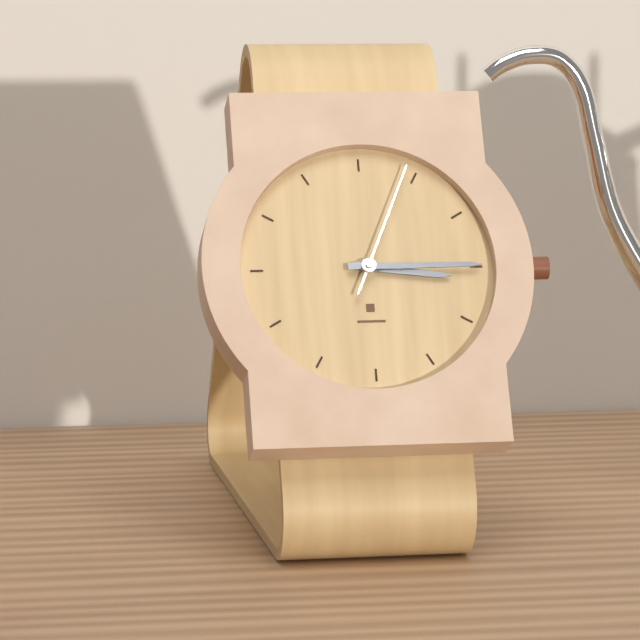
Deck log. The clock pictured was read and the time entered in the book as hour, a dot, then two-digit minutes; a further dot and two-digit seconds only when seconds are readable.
3.15.04
